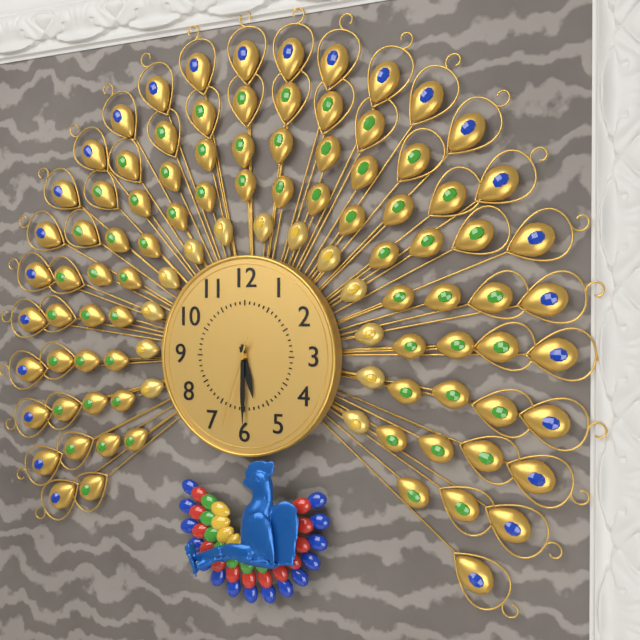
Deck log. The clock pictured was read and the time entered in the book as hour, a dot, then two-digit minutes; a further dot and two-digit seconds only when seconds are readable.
5.30.33
